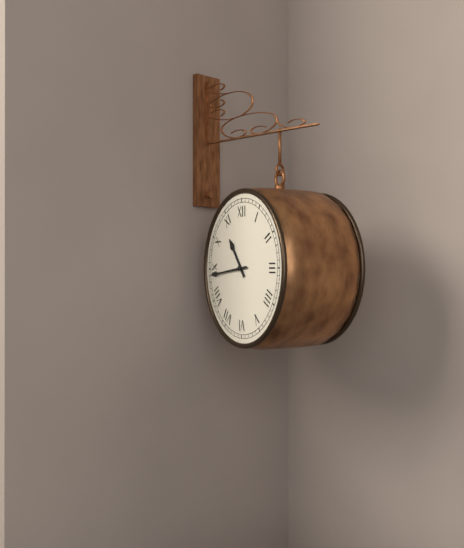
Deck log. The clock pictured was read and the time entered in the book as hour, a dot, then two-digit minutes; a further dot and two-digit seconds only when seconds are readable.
10.44
